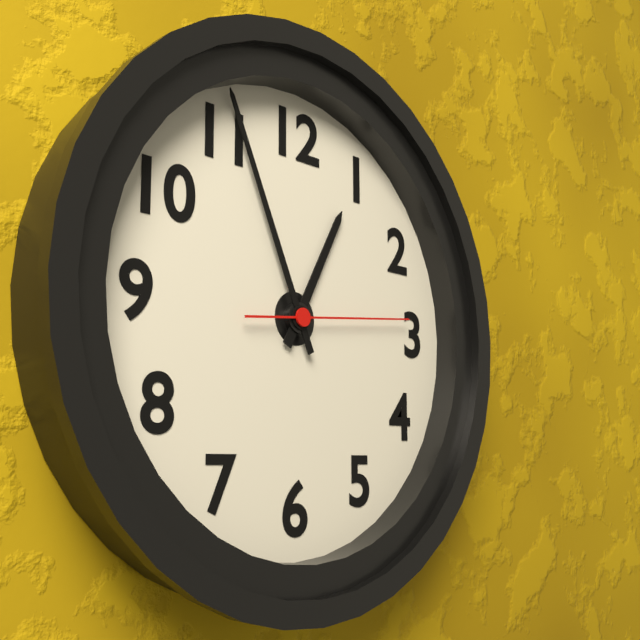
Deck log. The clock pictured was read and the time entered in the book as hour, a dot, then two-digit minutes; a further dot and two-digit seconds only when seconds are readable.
12.56.14
